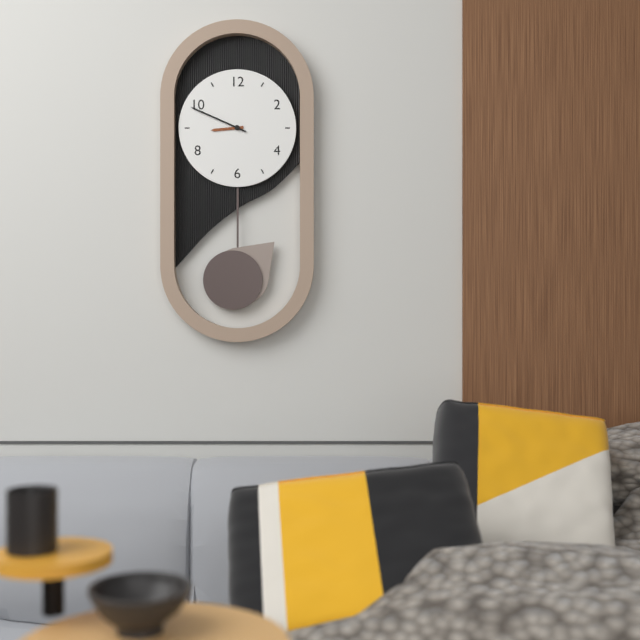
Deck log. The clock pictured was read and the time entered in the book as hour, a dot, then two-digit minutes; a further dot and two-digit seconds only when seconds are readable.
8.49
